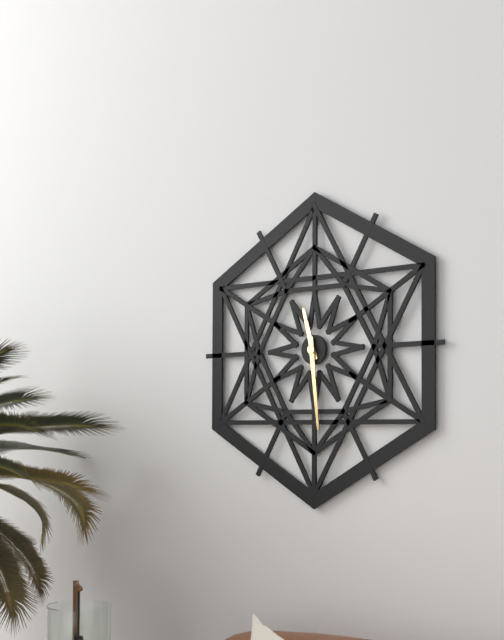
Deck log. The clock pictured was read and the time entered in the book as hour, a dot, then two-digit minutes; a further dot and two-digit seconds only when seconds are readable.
11.29
